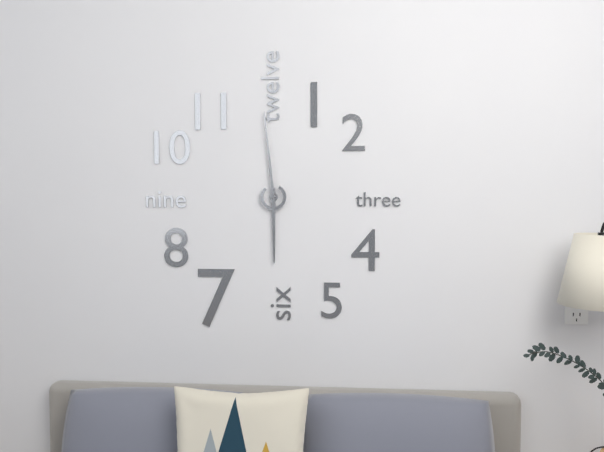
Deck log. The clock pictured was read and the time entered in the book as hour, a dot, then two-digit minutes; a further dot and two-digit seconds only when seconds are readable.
5.59
